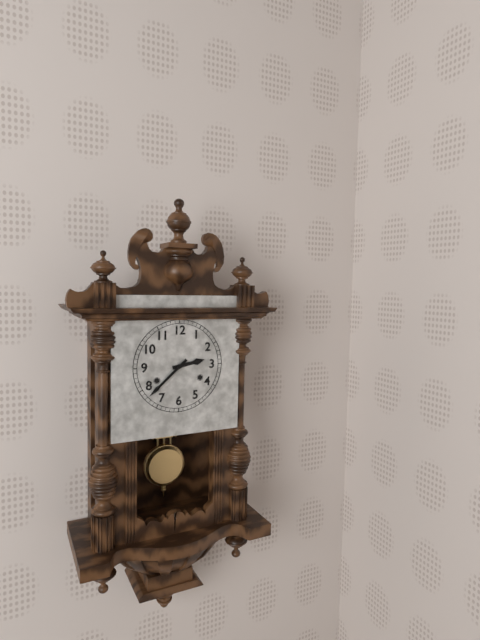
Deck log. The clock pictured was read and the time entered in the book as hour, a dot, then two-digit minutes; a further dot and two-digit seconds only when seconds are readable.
2.38
